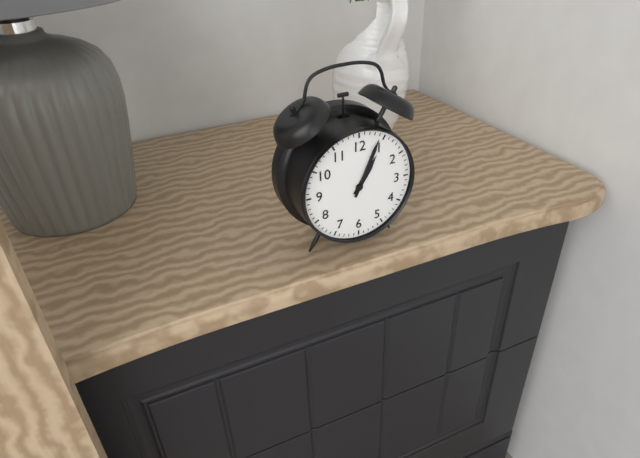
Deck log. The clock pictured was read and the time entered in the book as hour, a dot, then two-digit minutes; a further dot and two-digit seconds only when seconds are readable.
1.04
